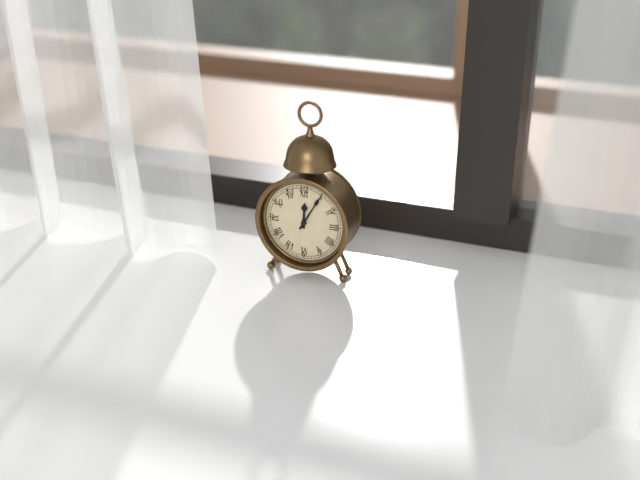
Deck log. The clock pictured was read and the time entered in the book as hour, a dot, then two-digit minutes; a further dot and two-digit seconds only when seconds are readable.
12.05
